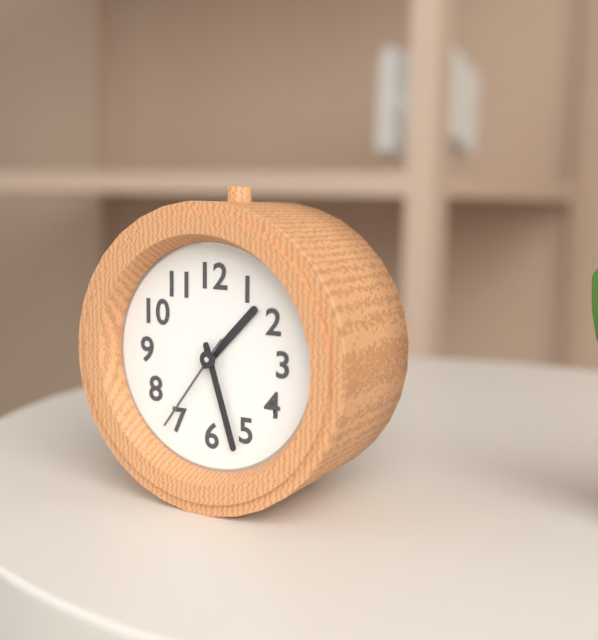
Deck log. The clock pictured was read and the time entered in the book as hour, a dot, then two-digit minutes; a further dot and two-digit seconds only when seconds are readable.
1.27.36
